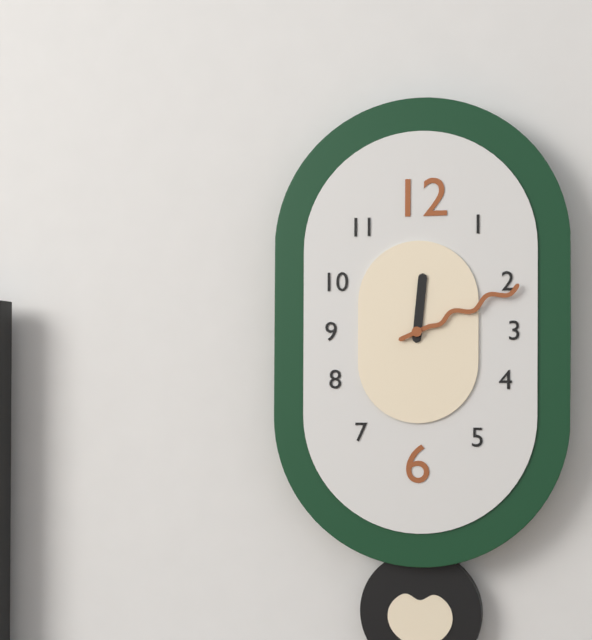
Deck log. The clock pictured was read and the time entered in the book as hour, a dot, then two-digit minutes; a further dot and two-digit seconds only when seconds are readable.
12.11
